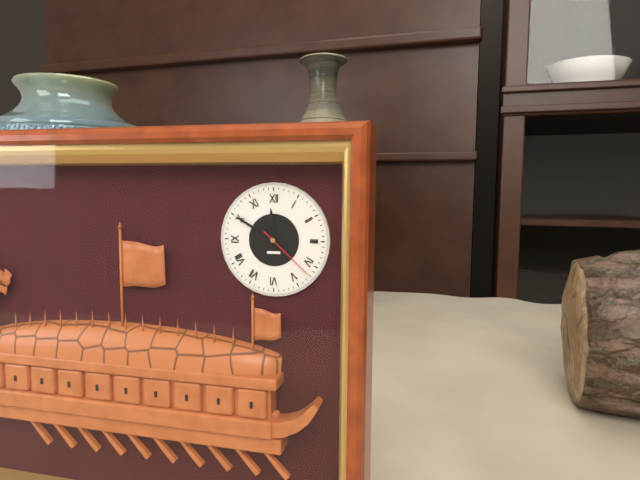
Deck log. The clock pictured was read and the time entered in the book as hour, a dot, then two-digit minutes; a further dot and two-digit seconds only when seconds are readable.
11.50.22
